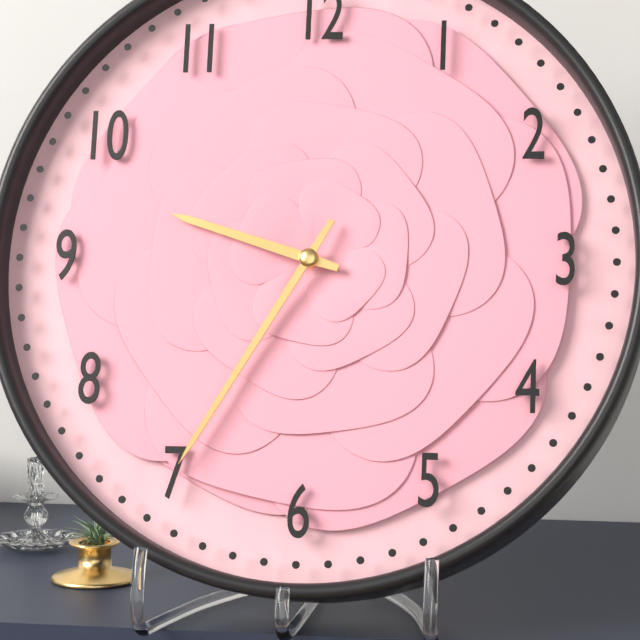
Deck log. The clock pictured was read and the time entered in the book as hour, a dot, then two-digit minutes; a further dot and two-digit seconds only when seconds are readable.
9.35
